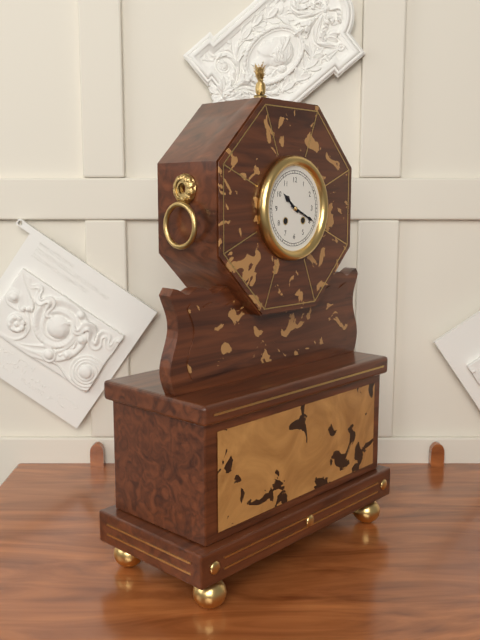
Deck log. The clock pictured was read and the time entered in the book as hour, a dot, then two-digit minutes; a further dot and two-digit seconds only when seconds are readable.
10.19
